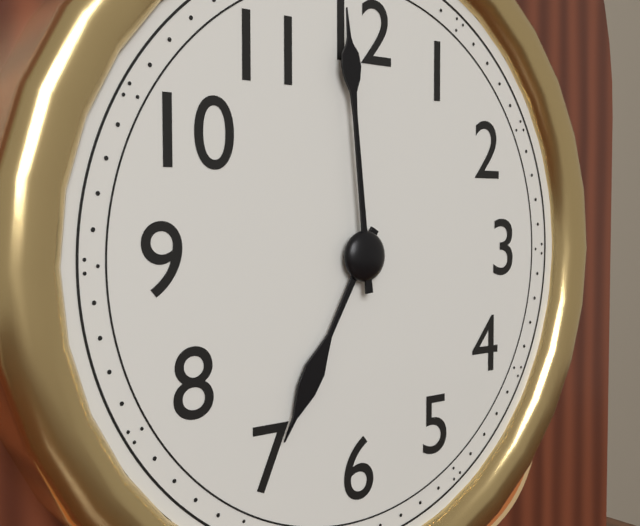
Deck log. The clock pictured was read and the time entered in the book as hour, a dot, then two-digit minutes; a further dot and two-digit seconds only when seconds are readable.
6.59
